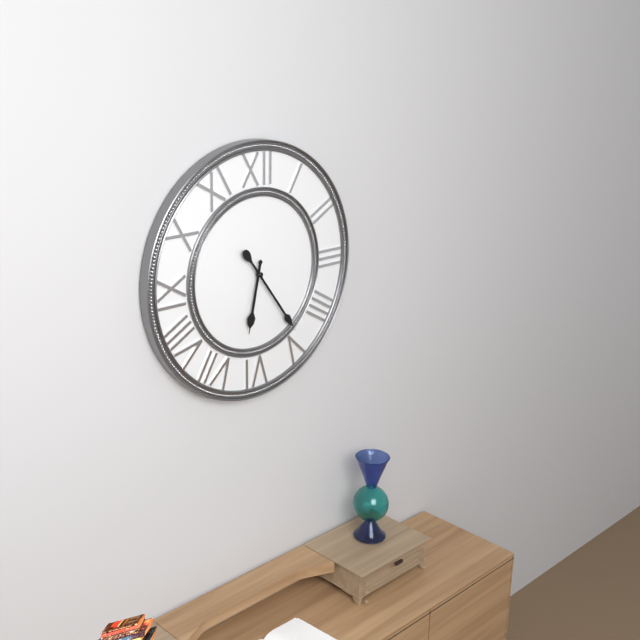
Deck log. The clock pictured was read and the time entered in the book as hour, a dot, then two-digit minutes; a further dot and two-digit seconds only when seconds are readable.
6.24
